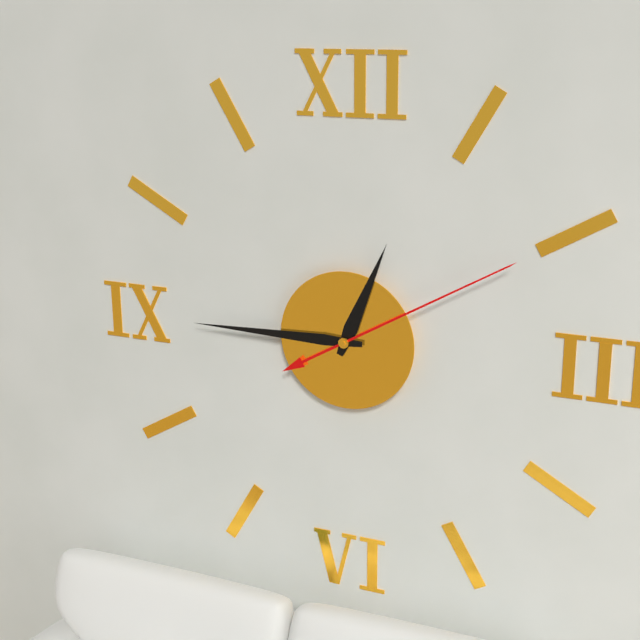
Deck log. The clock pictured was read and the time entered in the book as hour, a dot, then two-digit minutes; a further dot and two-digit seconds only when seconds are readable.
12.45.10
